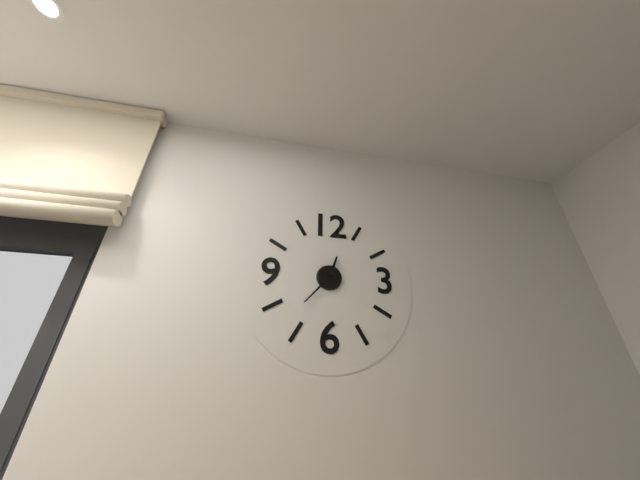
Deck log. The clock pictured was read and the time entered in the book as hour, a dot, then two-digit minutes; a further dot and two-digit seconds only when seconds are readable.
12.37
